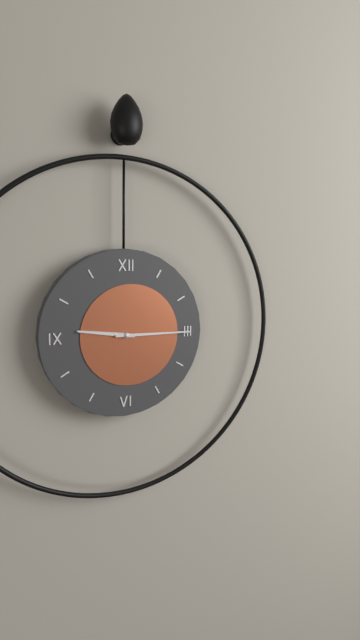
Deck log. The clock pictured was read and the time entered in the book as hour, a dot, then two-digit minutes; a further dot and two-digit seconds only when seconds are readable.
9.15
